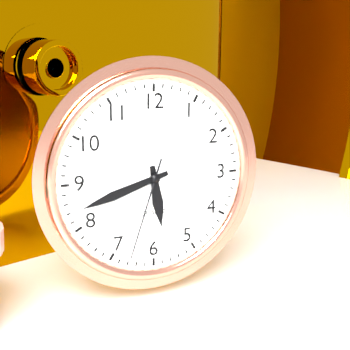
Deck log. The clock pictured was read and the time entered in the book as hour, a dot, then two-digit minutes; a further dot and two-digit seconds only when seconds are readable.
5.42.33
